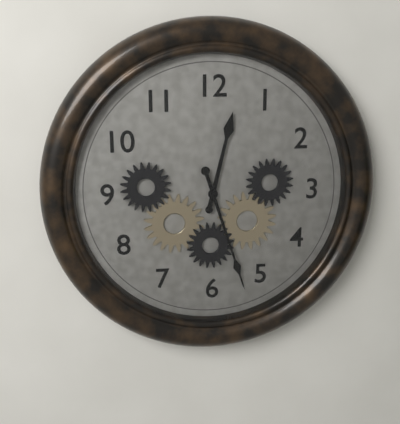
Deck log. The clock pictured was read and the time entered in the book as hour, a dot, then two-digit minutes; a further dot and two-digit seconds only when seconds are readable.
12.27
